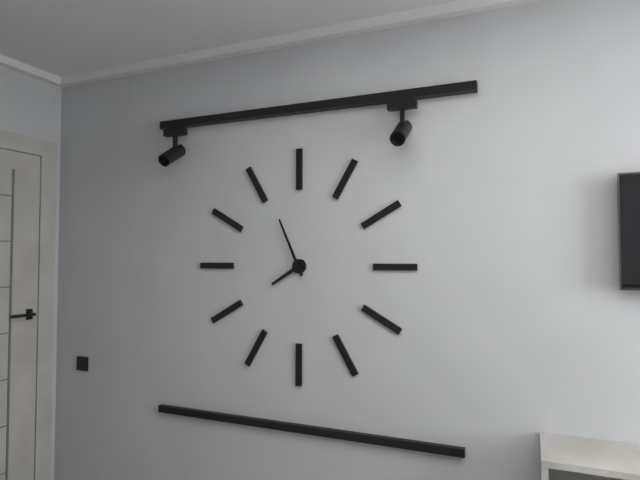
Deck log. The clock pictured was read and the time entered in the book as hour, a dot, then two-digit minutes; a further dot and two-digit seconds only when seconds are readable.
7.56
